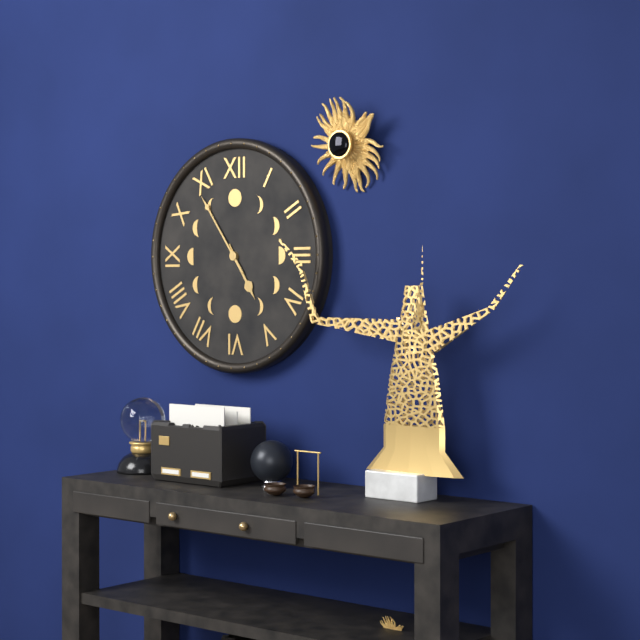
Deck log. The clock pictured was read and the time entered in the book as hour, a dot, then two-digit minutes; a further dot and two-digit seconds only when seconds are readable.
4.54
